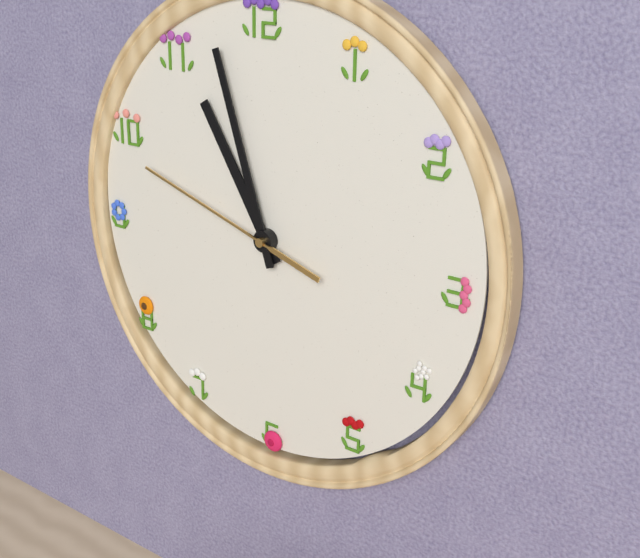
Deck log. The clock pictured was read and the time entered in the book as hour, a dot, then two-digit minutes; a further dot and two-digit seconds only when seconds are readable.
10.57.48
